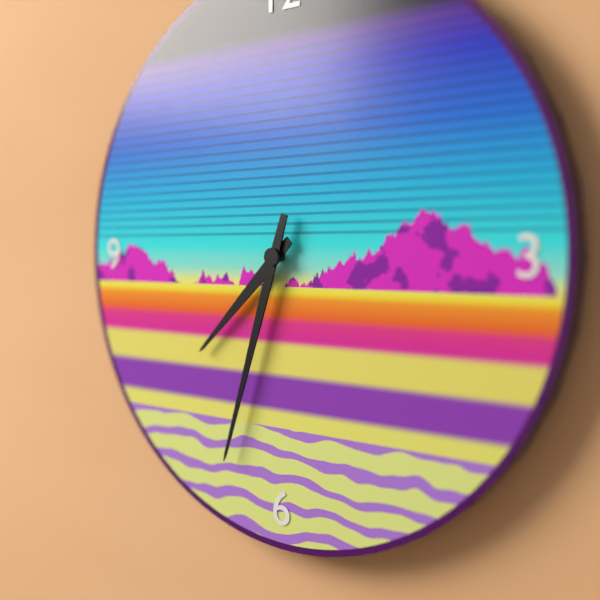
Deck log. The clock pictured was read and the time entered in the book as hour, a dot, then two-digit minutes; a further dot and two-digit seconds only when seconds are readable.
7.33
